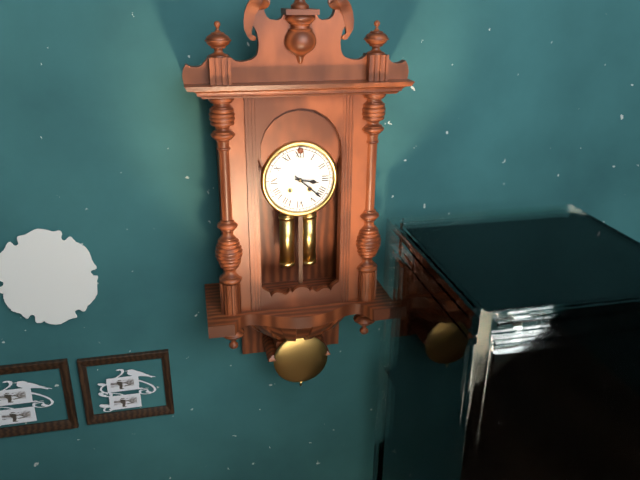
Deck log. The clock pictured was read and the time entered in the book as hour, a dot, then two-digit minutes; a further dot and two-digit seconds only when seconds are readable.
3.22
